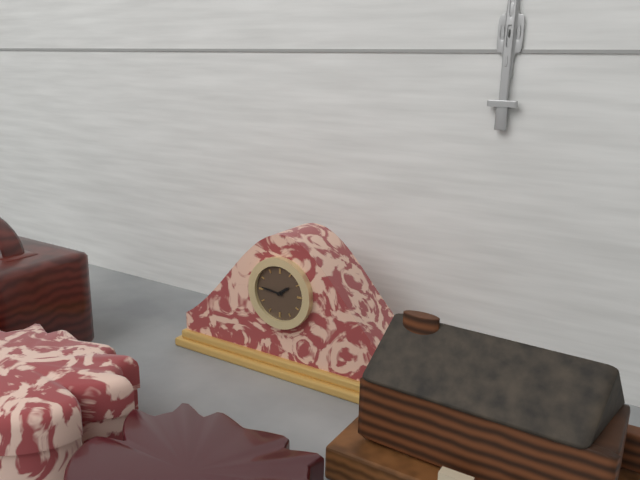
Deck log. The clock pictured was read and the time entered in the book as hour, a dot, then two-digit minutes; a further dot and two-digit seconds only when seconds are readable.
1.46
